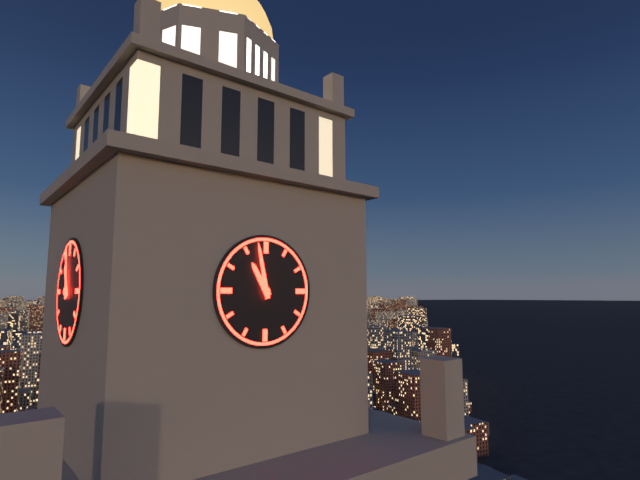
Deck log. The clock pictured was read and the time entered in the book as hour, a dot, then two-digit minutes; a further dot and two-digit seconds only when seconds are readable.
10.58
